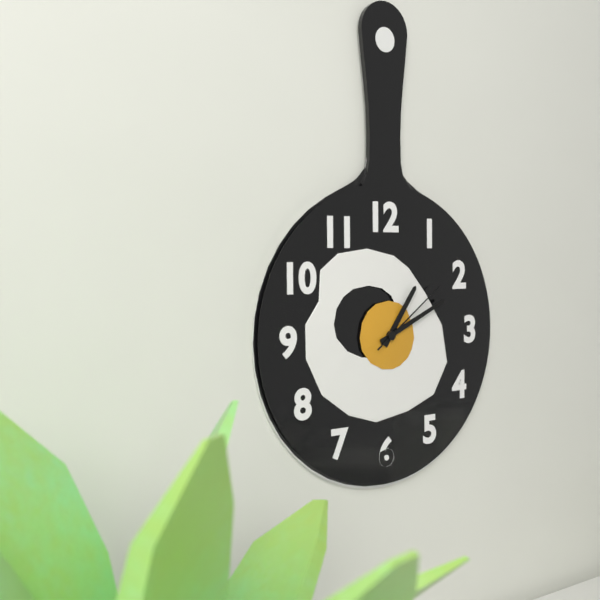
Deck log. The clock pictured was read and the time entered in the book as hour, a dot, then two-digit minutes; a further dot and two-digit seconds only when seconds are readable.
1.11.09
